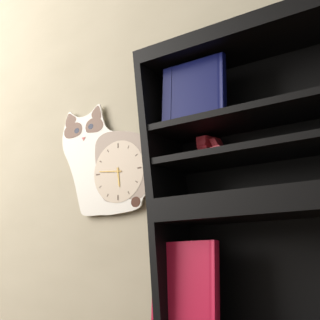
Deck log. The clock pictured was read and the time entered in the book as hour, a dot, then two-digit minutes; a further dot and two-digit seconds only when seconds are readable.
5.46
